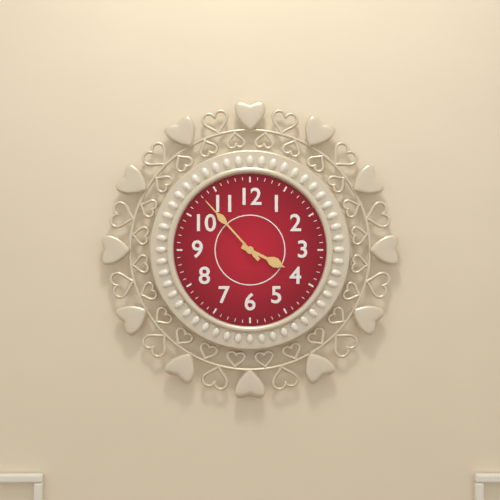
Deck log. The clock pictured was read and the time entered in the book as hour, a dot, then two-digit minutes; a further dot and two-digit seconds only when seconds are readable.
3.53
